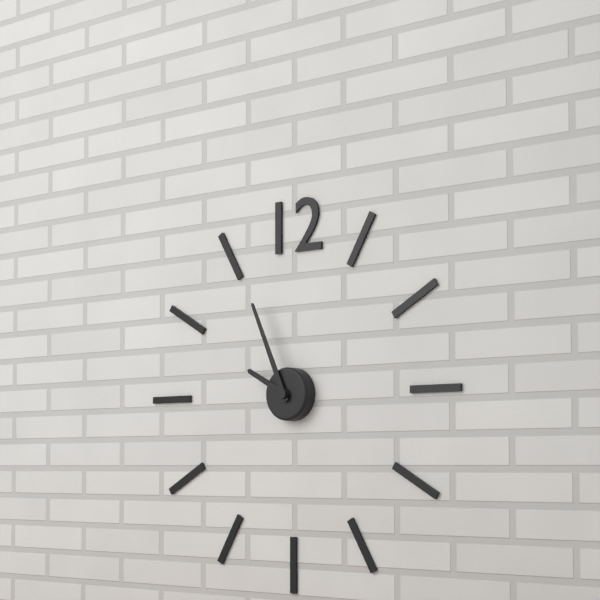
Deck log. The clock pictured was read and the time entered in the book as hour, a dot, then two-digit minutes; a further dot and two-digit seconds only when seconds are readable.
9.56
